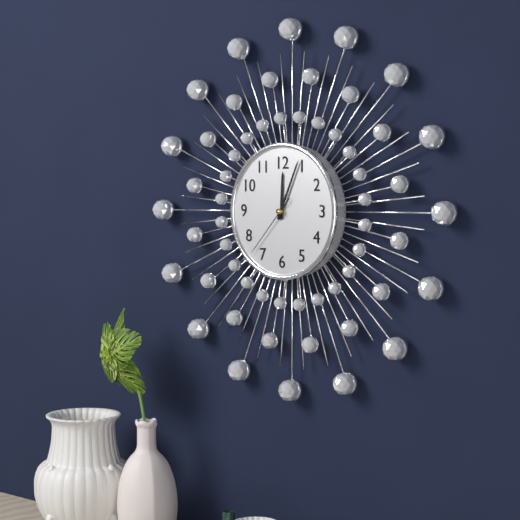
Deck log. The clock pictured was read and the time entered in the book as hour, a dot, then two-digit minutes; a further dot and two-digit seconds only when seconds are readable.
12.04.37
